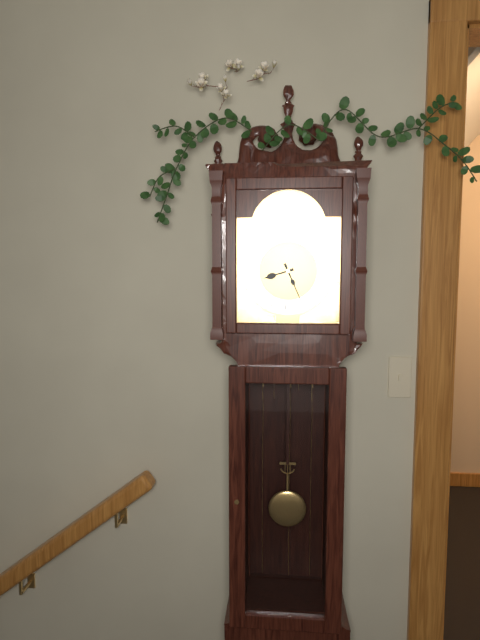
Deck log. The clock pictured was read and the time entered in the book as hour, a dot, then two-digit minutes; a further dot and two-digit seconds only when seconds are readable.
8.26
